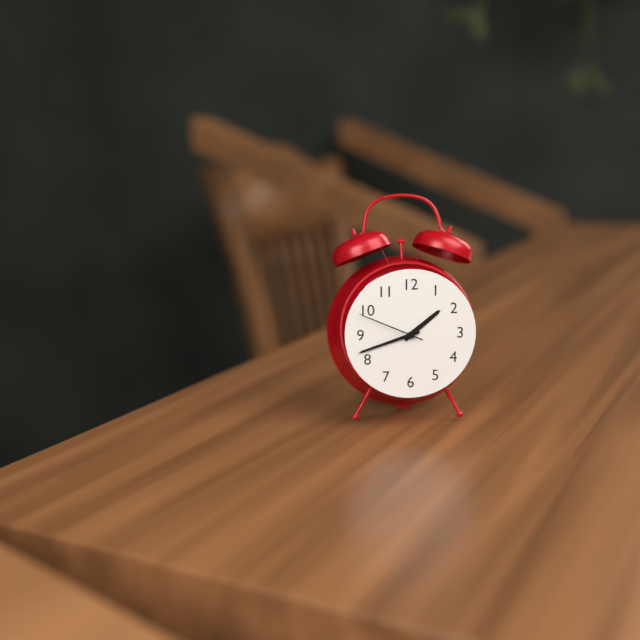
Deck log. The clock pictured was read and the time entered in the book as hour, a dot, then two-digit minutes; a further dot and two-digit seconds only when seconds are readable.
1.42.49
